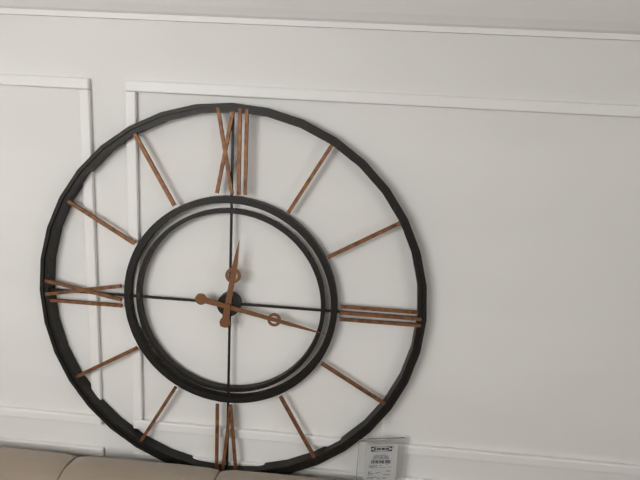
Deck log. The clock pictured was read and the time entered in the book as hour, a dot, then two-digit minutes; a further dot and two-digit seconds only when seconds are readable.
12.17
